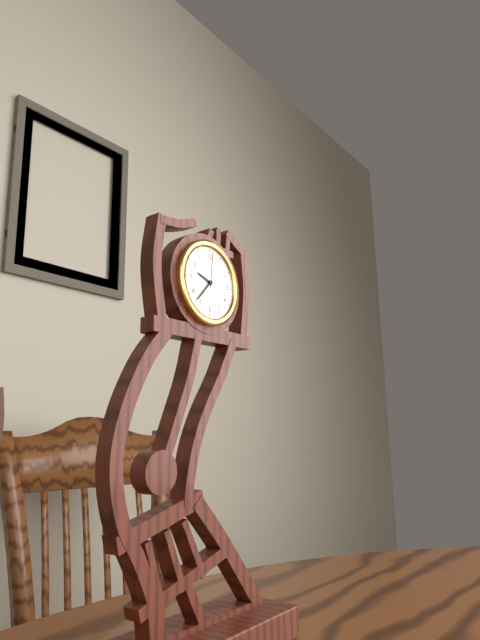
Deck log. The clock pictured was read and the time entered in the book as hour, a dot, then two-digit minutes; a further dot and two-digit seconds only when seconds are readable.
9.37
